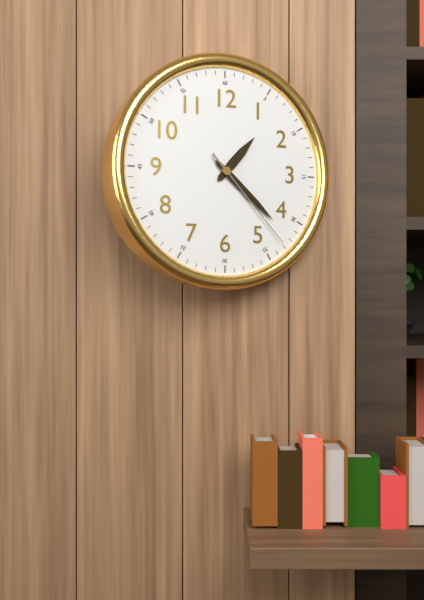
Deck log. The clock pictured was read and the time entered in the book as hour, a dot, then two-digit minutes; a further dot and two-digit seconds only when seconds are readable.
1.22.23
